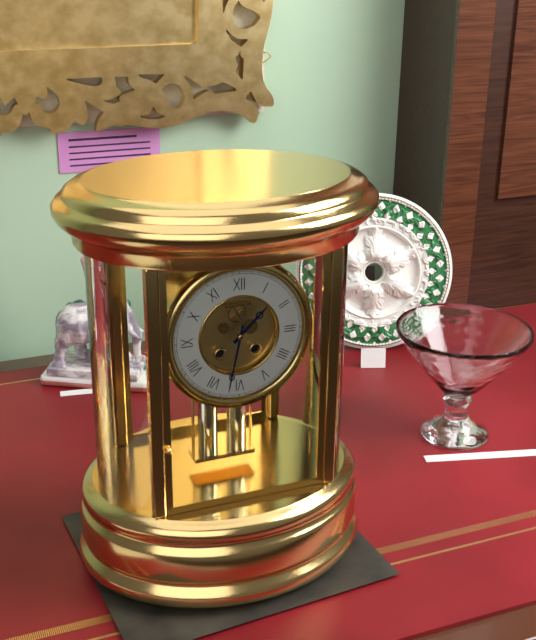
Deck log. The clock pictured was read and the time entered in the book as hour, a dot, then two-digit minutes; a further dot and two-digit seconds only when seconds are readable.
1.32
